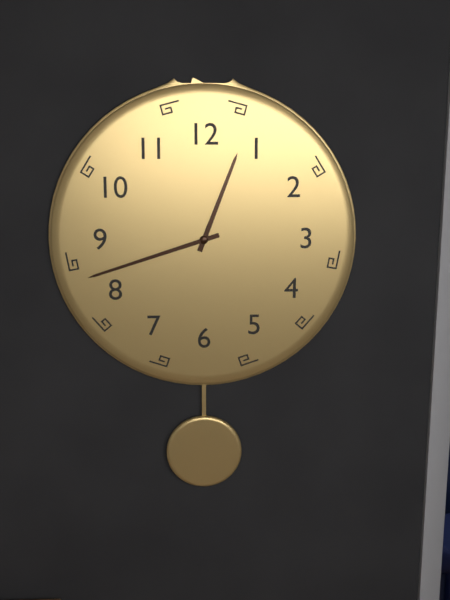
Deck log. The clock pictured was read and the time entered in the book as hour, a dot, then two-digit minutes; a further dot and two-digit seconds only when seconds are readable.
12.42
